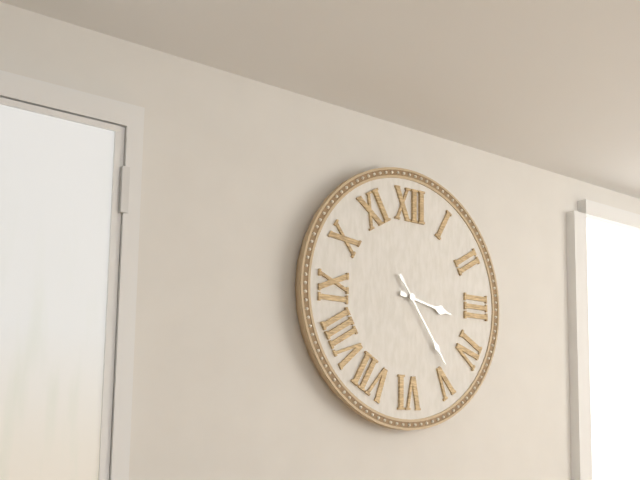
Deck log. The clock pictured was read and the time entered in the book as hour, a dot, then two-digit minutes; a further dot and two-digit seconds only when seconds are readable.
3.24
